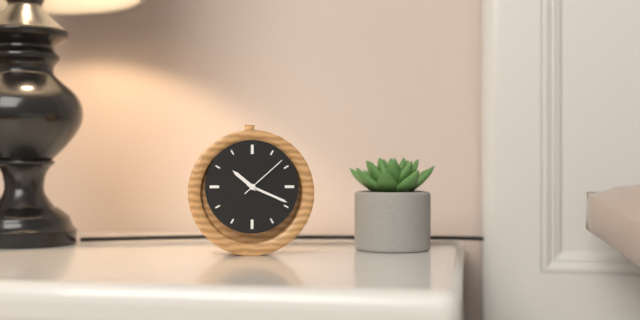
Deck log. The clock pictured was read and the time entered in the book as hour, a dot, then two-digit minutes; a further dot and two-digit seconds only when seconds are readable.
10.19.08
